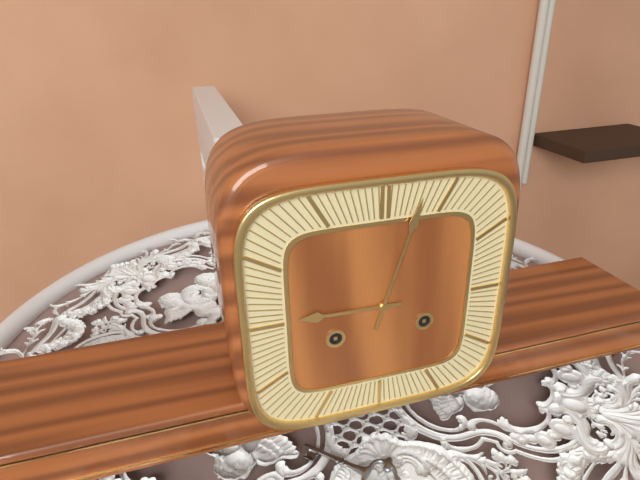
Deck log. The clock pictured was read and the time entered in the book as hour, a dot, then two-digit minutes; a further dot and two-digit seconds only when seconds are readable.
9.03
